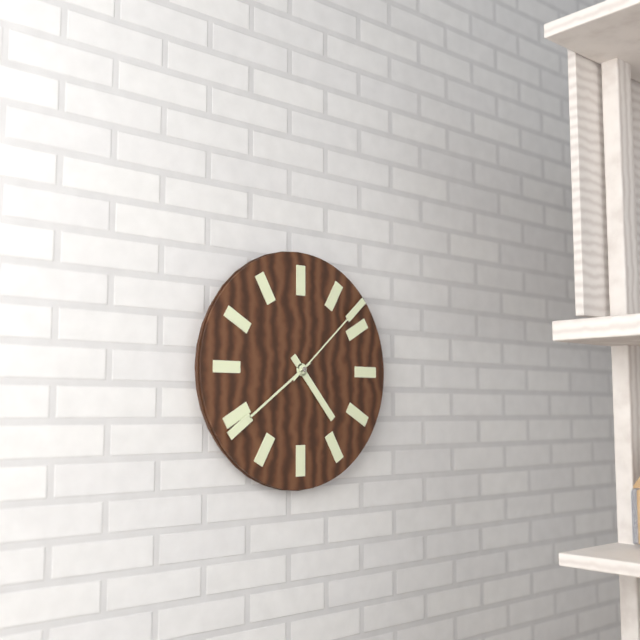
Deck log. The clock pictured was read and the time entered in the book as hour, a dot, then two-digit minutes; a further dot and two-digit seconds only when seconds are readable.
4.39.08
